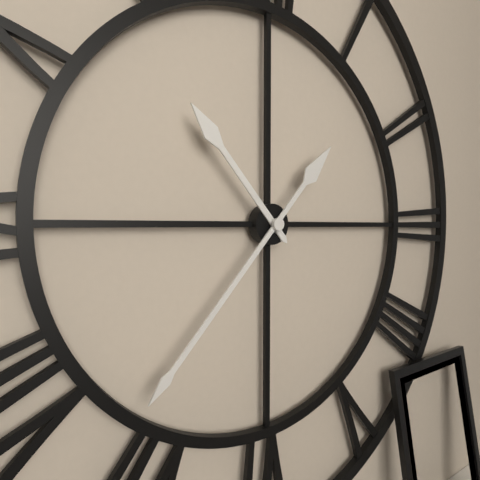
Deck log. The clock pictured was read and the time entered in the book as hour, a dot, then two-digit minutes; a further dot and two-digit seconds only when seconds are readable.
10.37
